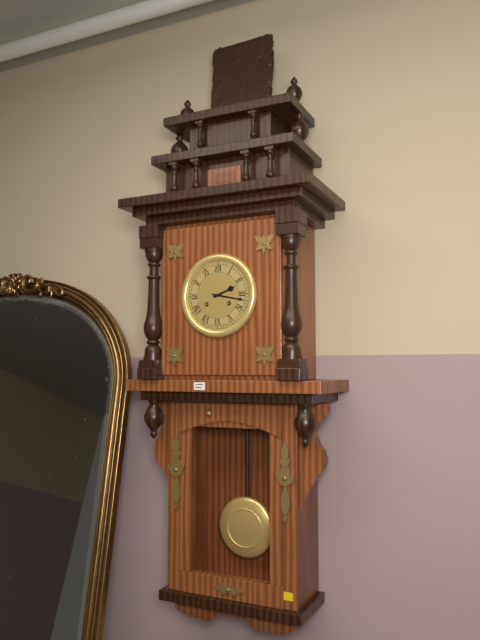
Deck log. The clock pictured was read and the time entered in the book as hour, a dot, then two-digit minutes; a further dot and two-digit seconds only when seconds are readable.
2.17
